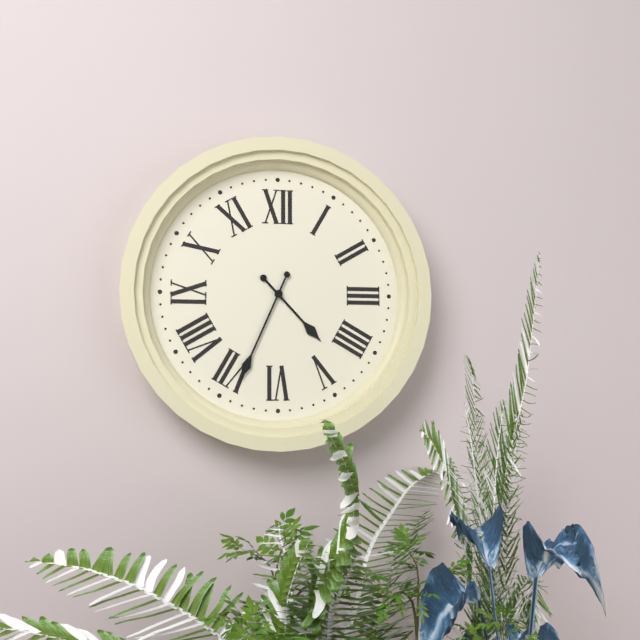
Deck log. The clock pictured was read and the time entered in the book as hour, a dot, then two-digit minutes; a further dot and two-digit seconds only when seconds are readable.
4.34
